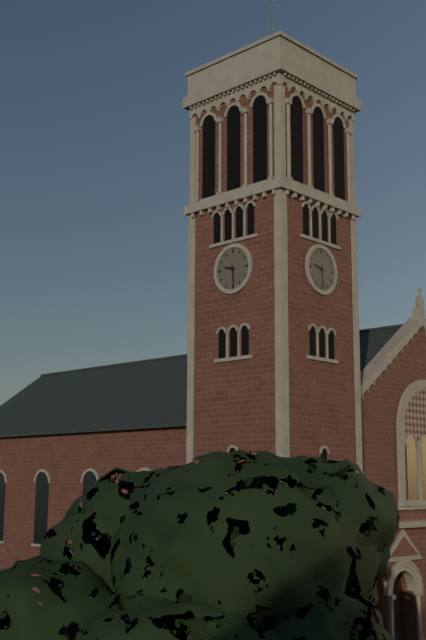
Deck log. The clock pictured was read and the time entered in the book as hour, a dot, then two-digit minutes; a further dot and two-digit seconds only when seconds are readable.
9.29
